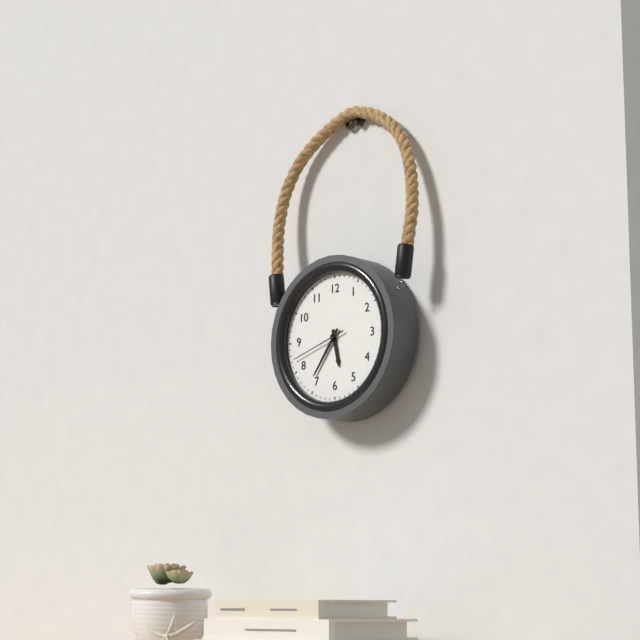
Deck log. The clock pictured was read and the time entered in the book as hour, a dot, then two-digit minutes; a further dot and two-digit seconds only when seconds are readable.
5.36.42
